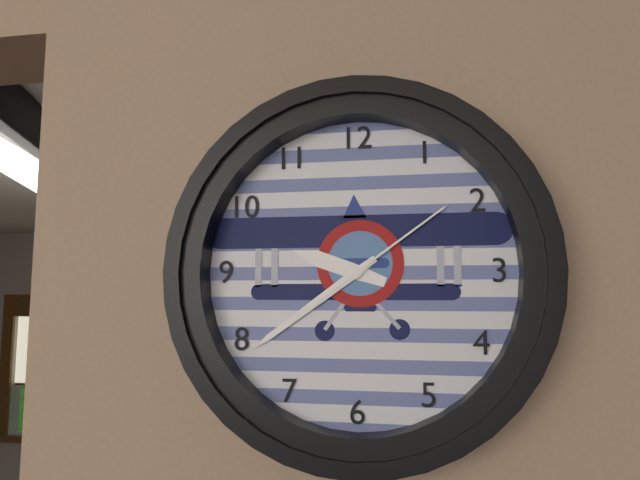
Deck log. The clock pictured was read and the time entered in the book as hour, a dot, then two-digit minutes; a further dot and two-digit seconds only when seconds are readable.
9.39.09
